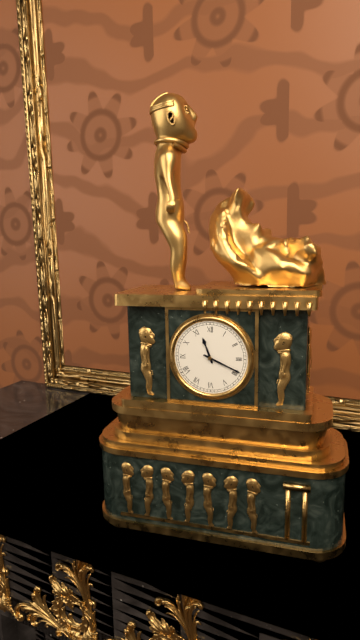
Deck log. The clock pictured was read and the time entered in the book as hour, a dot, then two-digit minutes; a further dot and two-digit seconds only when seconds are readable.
11.19
